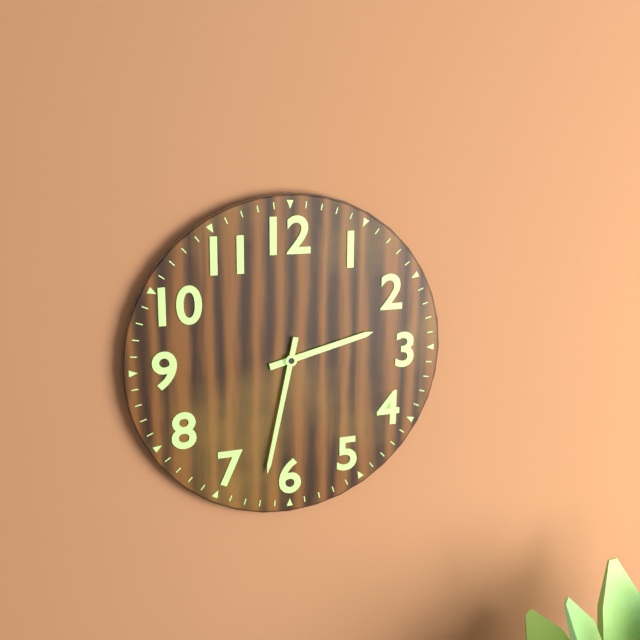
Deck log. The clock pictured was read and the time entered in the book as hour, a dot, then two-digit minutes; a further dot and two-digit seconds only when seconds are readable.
2.32
